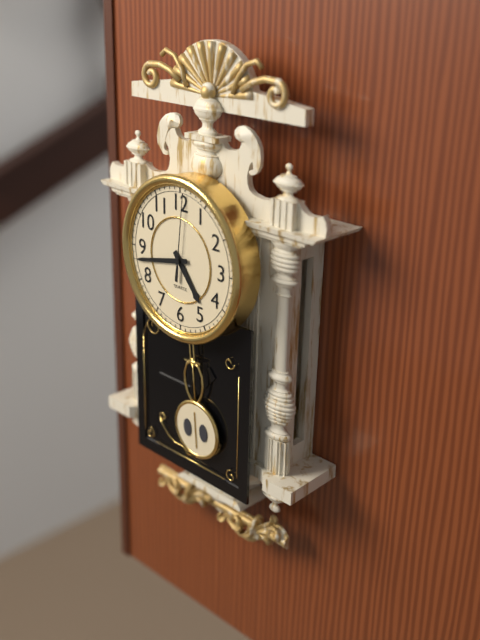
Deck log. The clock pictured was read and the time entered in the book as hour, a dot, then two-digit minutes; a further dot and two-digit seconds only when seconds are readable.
4.43.01
